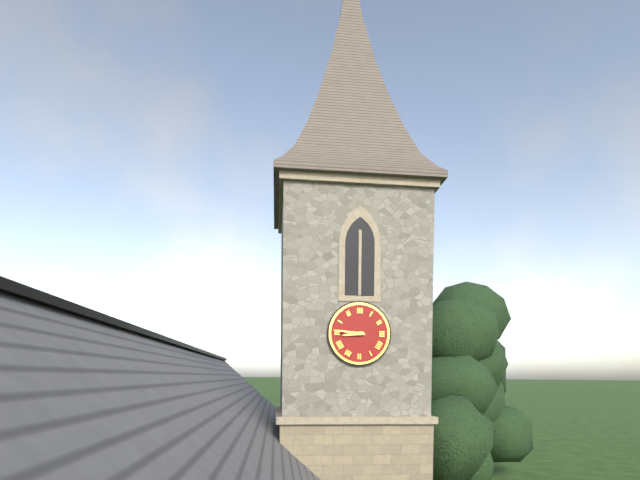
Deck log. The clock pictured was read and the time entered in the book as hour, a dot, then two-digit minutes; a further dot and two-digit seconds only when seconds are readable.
8.46
